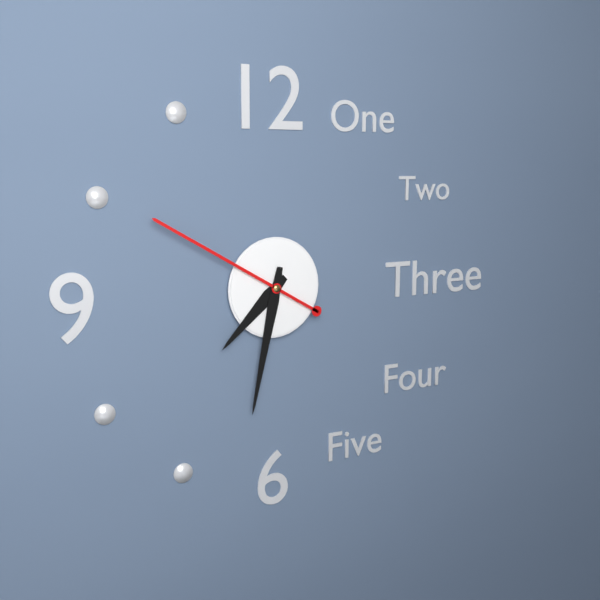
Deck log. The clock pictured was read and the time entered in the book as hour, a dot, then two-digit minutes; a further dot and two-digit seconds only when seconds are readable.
7.32.50
